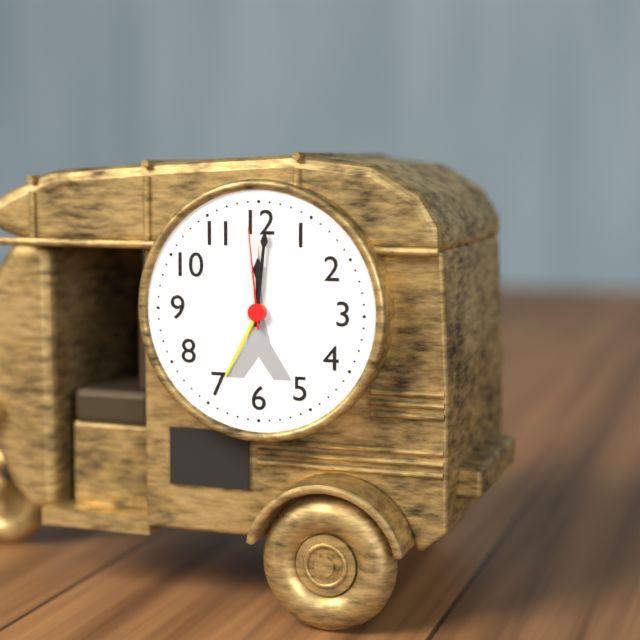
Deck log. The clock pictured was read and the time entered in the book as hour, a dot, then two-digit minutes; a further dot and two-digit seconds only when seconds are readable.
12.01.59
